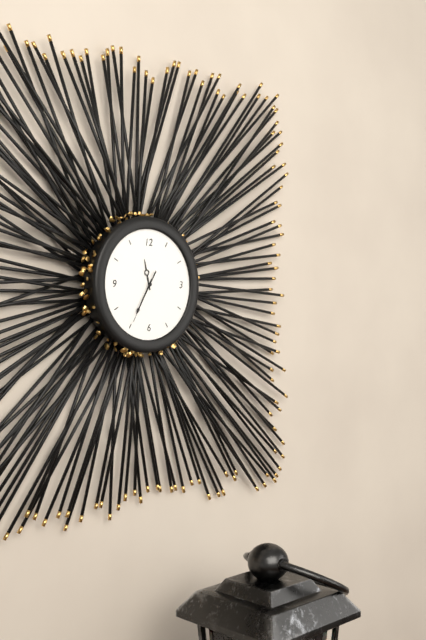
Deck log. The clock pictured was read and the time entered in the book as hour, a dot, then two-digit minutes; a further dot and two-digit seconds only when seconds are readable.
11.35.35
